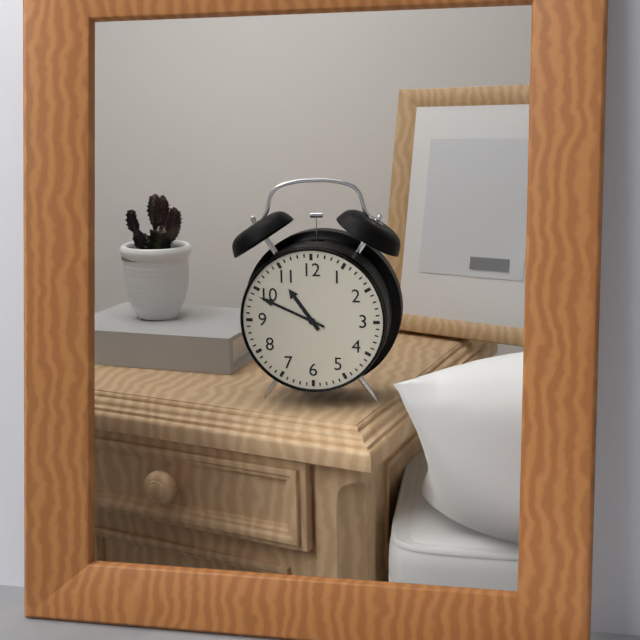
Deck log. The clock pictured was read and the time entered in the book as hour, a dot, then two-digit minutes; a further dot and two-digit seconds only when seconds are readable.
10.49
